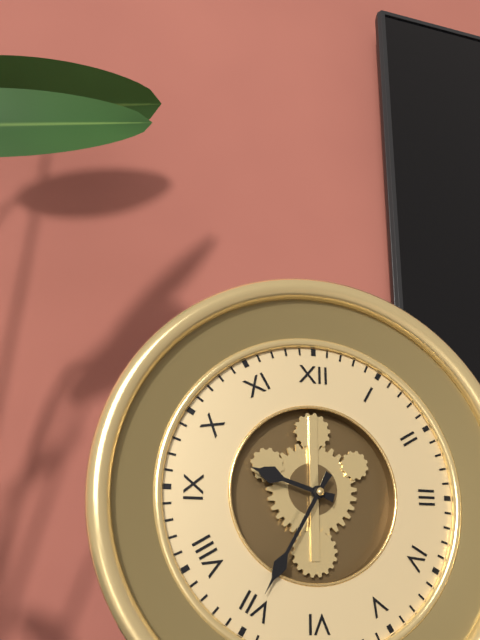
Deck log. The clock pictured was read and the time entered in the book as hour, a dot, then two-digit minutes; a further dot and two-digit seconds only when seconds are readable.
9.35
